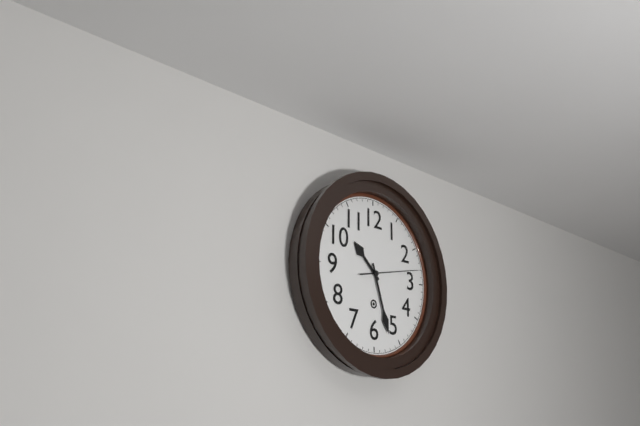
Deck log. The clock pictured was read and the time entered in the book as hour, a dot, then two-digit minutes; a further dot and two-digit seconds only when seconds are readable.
10.27.13
